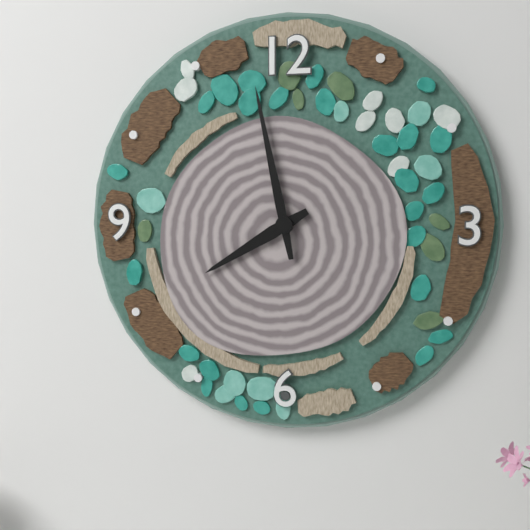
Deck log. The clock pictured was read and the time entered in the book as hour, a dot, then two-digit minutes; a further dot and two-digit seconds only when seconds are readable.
7.58
